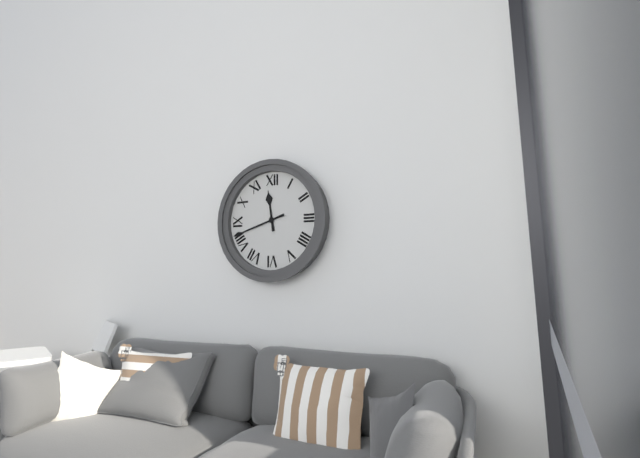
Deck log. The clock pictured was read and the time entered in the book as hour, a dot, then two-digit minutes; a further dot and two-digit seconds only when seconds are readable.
11.42
